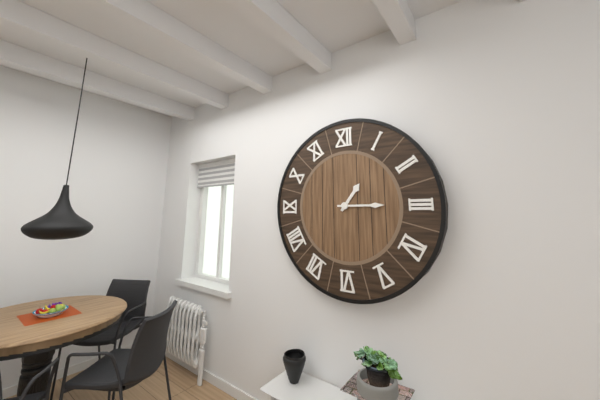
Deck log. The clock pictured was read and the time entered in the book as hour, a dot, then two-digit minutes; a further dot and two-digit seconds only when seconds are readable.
1.15
